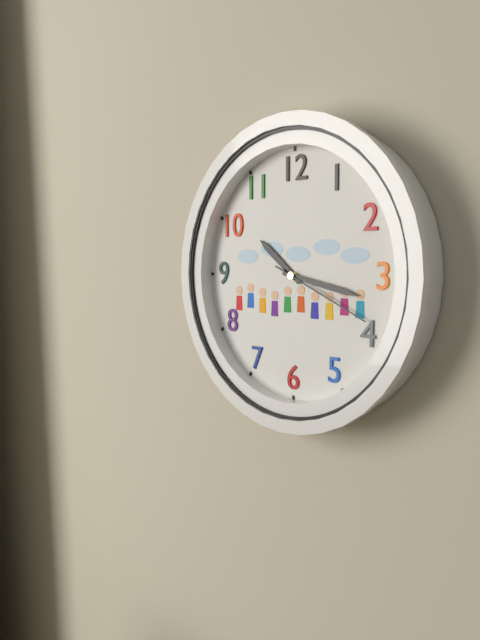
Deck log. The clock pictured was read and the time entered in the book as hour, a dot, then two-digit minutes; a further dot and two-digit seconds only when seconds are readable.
10.17.19
